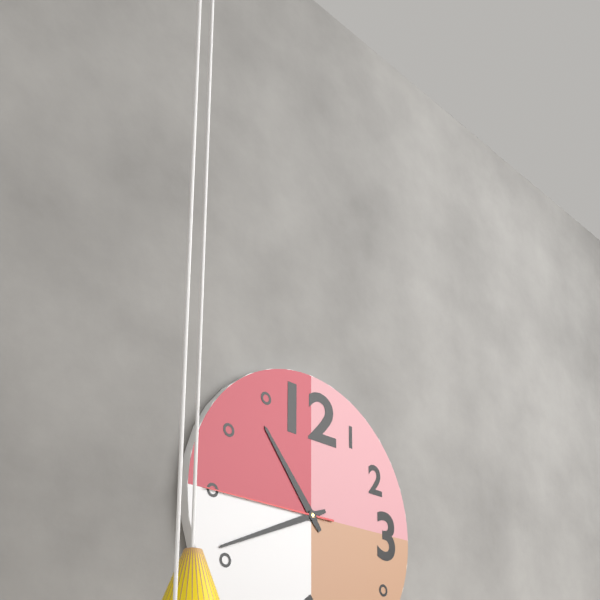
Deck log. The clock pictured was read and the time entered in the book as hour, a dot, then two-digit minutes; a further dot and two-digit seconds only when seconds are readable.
10.41.45
